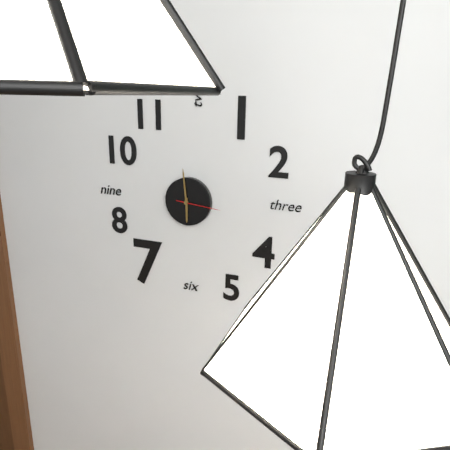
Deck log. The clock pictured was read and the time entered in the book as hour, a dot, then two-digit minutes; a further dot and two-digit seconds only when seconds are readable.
5.59
